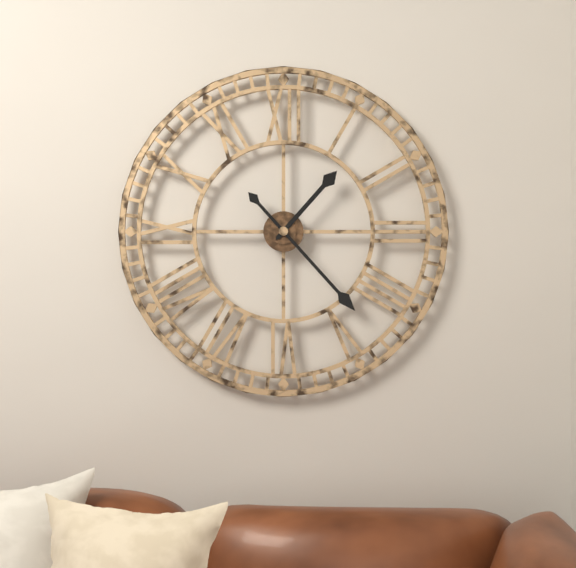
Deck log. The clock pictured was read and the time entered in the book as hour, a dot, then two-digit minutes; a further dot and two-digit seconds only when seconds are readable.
1.23
